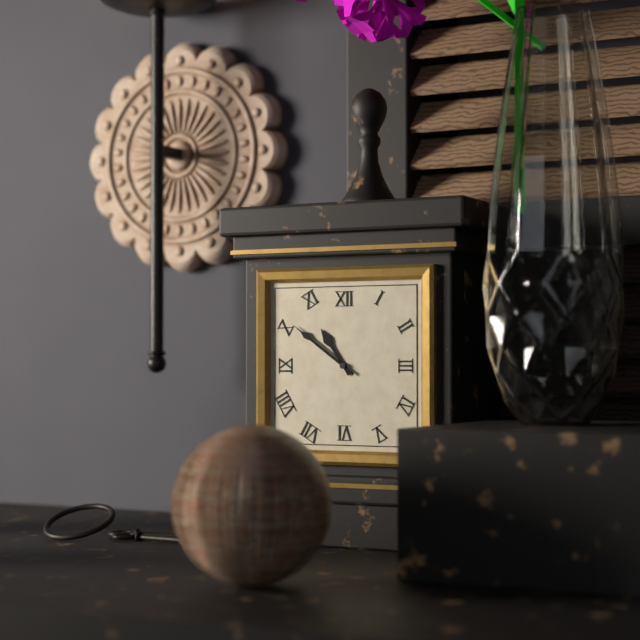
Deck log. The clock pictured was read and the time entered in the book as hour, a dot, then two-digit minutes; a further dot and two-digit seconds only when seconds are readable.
10.51
